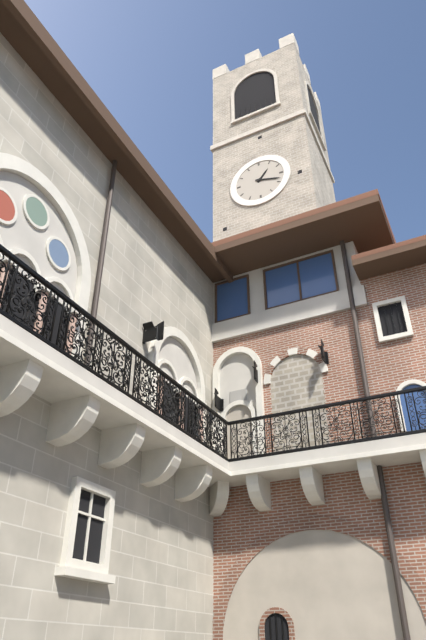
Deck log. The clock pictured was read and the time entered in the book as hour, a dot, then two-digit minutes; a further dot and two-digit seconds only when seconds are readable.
1.18
